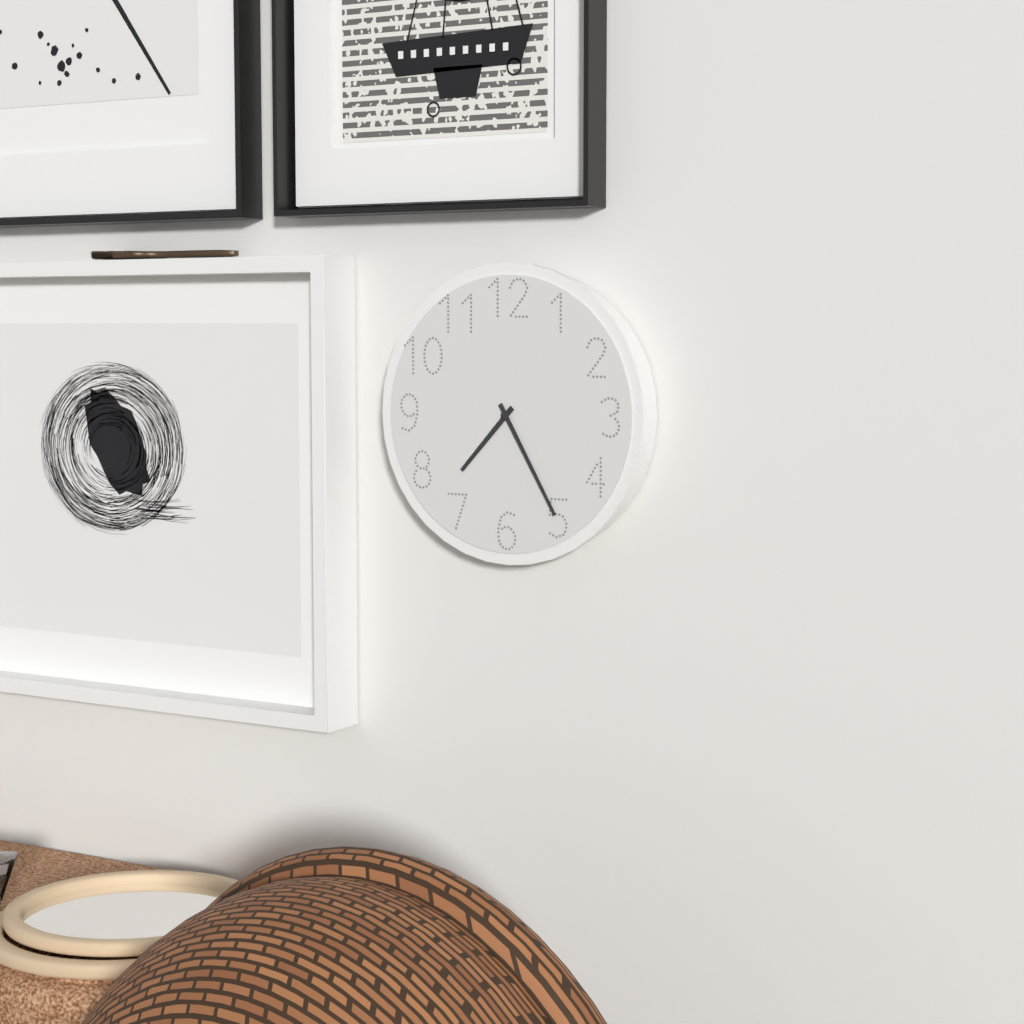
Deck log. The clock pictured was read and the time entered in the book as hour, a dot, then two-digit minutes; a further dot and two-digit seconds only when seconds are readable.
7.25
